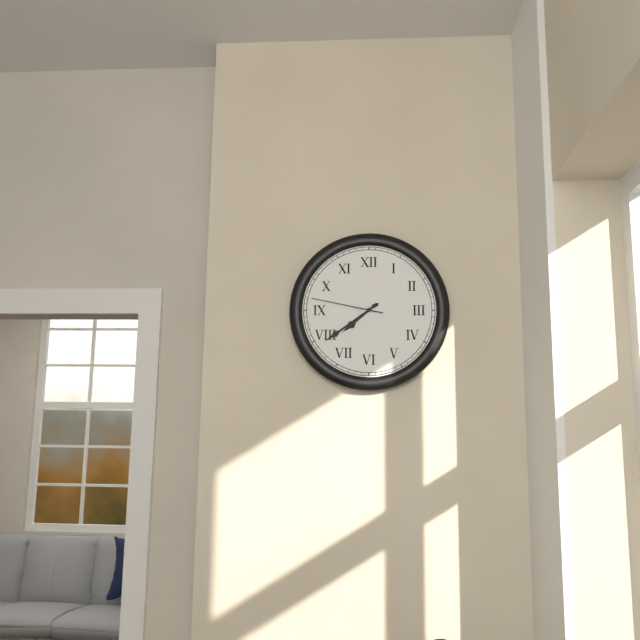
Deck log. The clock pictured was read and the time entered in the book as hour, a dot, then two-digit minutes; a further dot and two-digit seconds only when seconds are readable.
7.39.47
